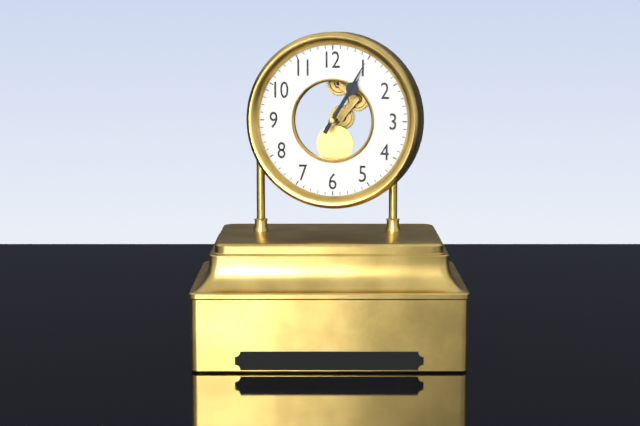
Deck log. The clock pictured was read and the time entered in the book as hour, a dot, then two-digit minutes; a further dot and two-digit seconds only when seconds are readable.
1.05
